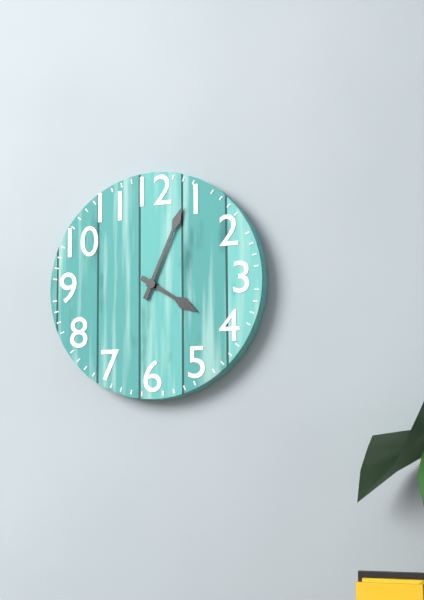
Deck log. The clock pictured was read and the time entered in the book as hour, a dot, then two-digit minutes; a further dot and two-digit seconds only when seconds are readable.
4.04
